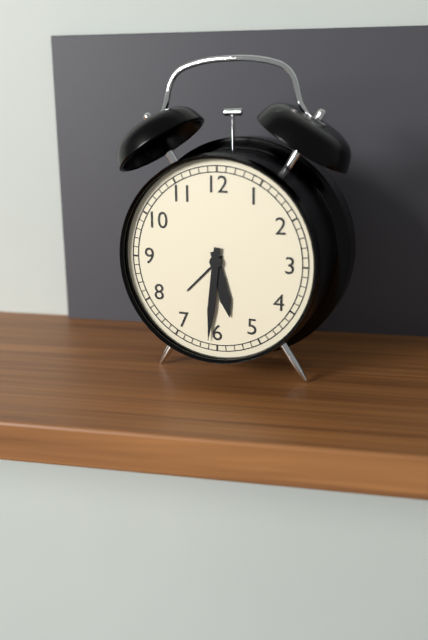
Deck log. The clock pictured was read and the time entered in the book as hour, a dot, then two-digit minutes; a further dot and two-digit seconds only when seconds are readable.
5.31
